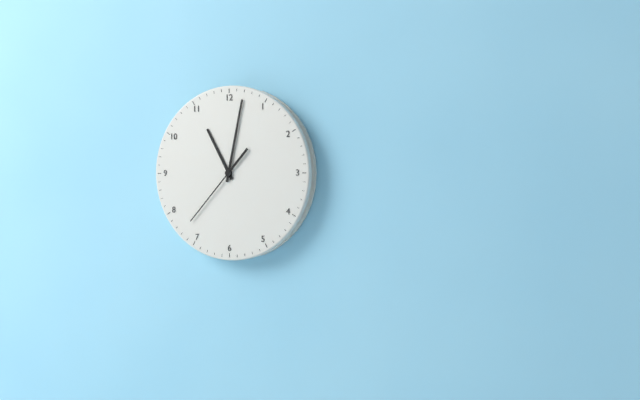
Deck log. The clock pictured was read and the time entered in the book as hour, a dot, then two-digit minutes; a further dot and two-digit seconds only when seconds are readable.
11.02.37
